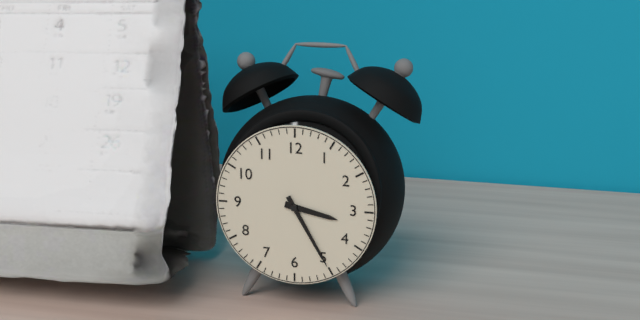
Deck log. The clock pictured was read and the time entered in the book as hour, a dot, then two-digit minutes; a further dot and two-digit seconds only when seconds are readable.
3.25
